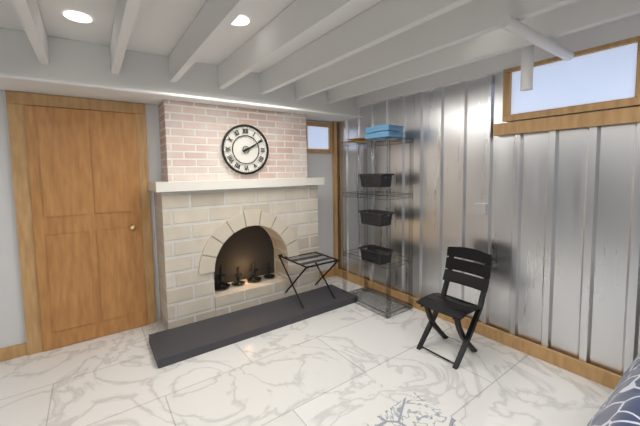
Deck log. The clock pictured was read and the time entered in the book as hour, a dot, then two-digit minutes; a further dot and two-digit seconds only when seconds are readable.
2.10
